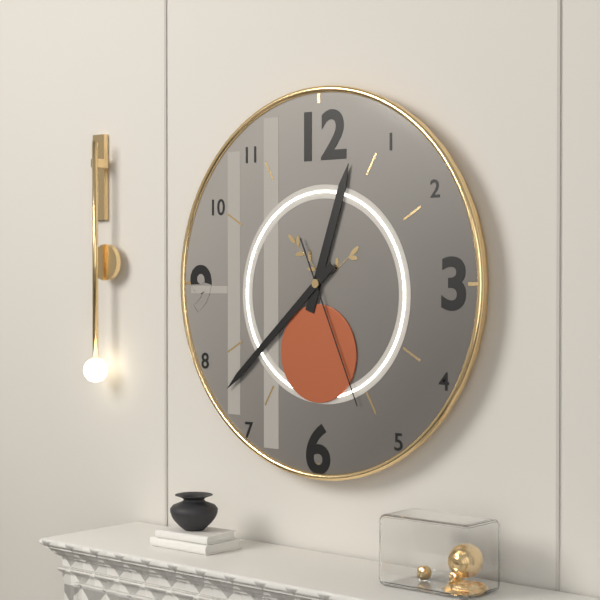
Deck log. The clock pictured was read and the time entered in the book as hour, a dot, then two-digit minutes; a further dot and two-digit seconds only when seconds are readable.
12.38.26
